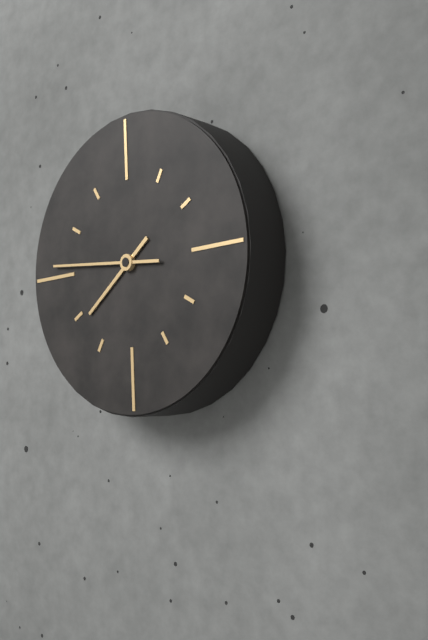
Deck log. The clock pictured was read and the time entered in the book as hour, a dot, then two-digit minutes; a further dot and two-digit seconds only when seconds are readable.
7.46
